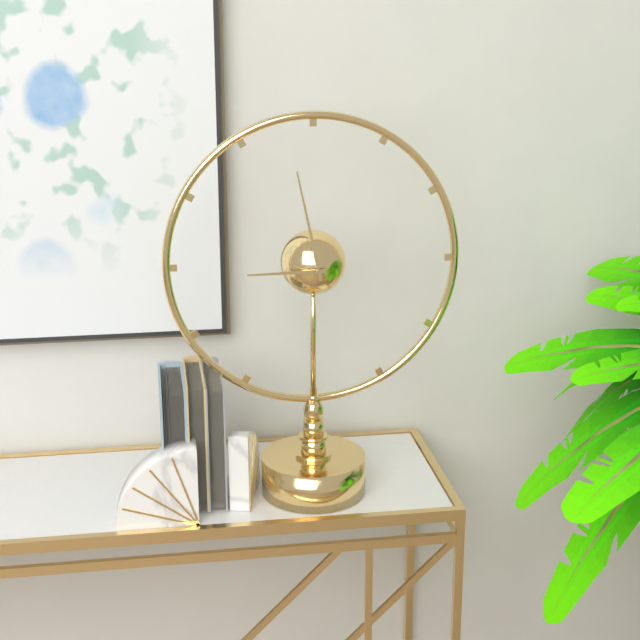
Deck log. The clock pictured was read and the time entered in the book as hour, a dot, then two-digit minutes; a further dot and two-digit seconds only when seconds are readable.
8.58
